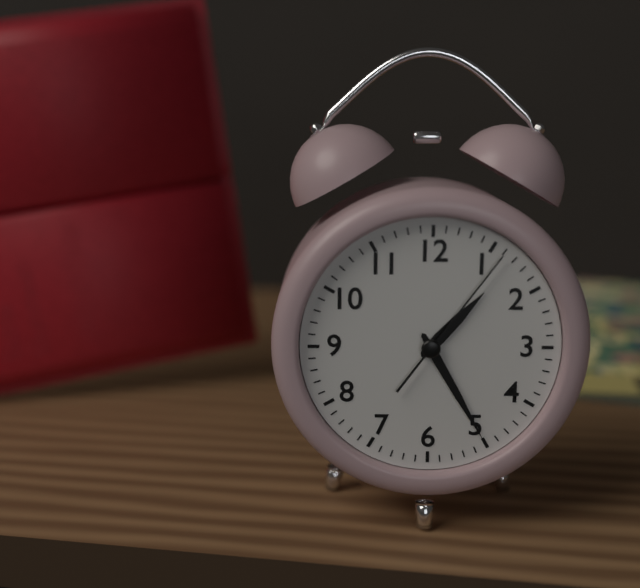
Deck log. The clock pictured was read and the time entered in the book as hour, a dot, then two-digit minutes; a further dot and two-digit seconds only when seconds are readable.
1.25.06
